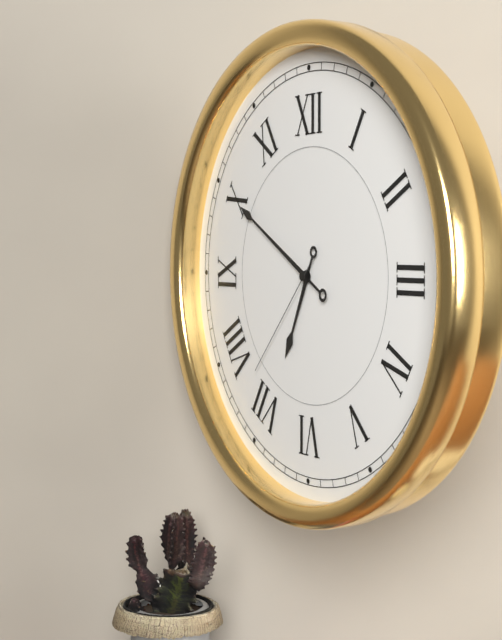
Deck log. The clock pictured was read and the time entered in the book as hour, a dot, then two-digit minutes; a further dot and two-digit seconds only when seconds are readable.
6.50.37
